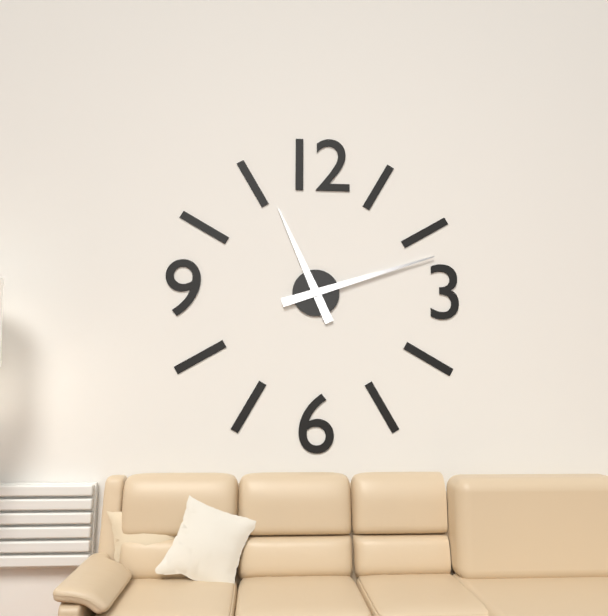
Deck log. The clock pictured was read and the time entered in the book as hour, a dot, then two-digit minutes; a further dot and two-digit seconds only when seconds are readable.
11.12
